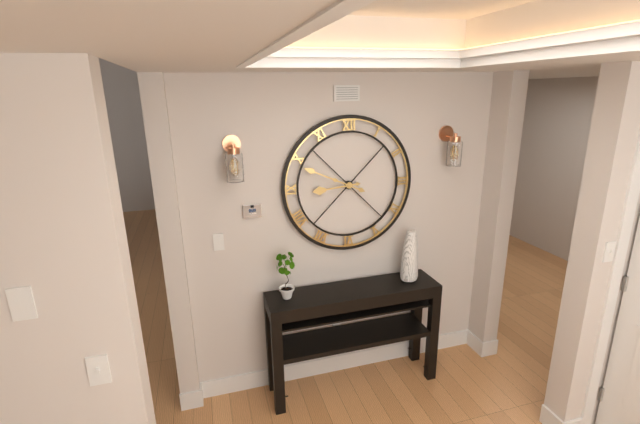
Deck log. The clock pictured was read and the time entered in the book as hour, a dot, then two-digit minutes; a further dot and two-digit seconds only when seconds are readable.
8.49
